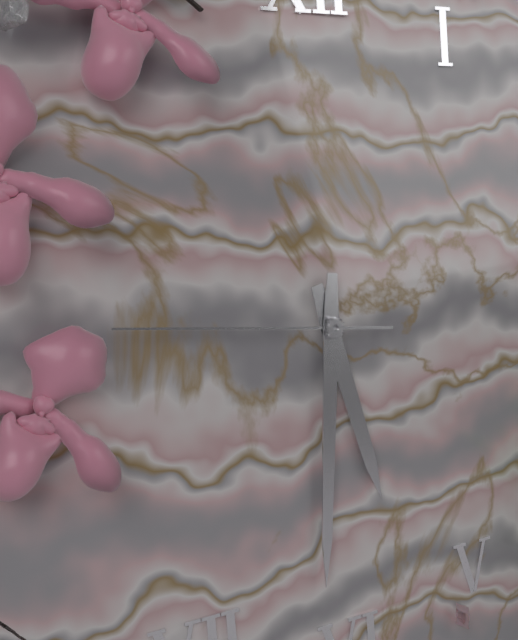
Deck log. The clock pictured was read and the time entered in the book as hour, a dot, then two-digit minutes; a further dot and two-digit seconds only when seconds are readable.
5.31.46
